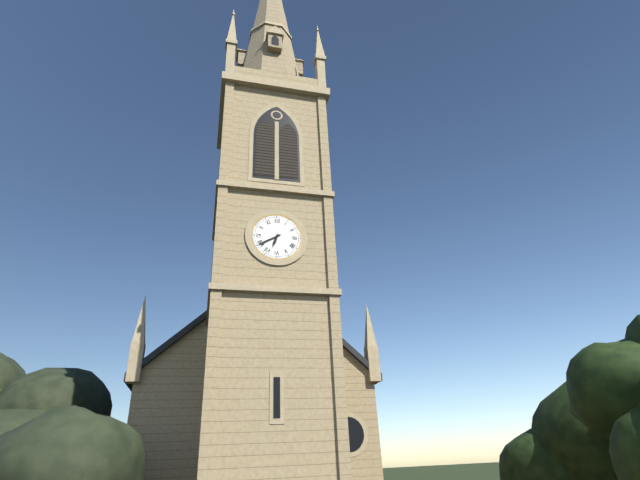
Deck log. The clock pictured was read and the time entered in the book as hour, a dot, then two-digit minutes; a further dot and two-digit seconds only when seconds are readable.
6.40
